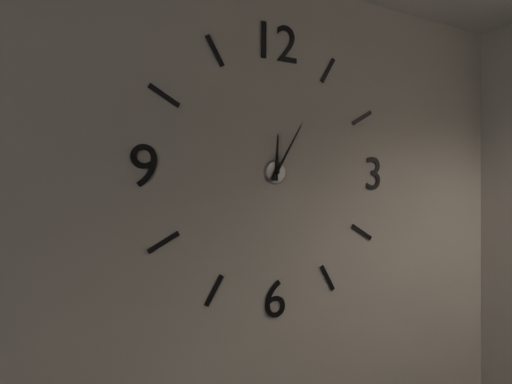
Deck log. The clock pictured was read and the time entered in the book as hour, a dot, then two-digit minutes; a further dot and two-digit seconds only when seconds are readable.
12.05
